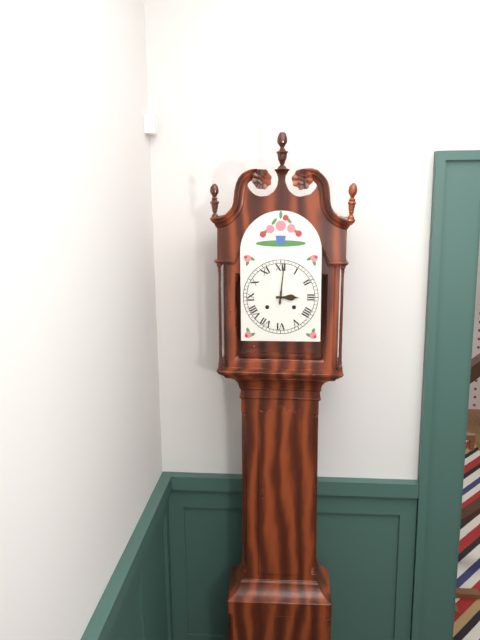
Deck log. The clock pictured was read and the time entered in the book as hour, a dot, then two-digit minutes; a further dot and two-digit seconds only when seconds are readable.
3.01
